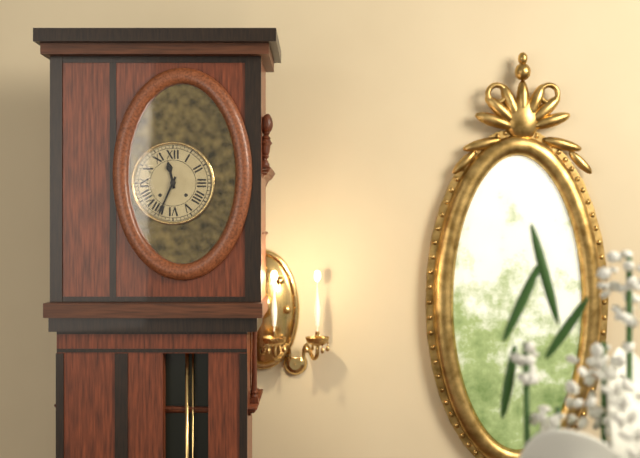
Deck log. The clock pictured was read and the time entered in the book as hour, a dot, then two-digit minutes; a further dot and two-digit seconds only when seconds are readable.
11.34
